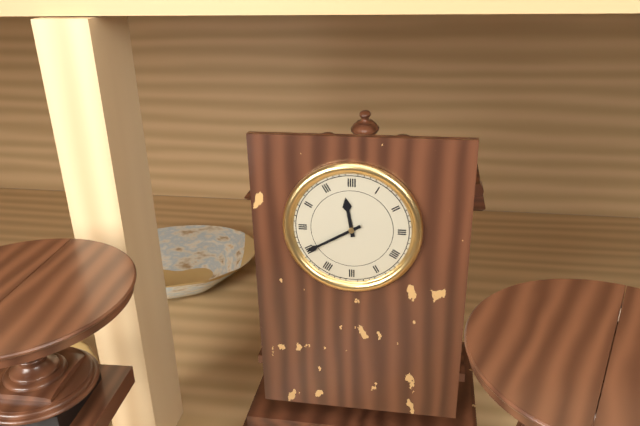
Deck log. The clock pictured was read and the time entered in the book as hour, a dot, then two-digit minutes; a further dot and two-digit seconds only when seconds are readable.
11.40
